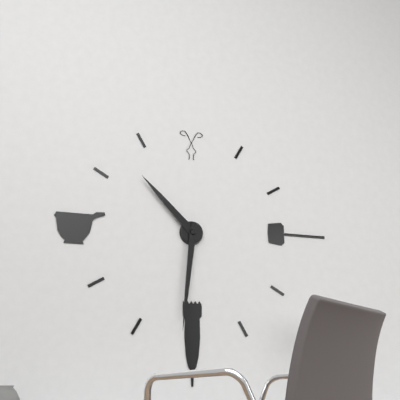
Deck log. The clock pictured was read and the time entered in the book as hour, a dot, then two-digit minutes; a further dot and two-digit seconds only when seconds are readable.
10.31
